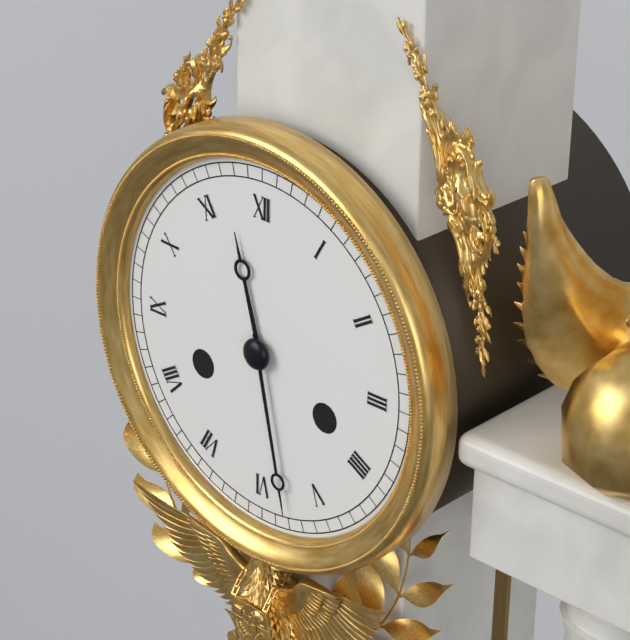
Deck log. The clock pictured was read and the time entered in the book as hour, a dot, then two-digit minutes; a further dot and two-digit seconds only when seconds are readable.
11.28
